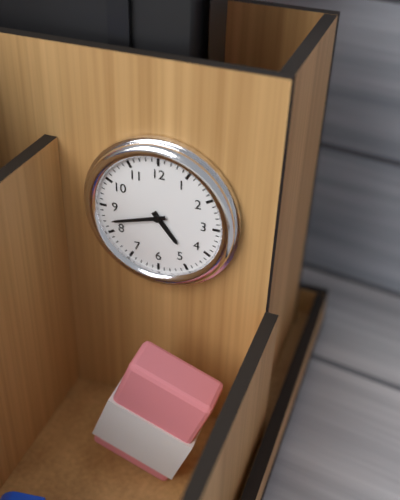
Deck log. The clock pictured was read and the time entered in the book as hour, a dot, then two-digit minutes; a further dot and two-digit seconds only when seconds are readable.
4.42
